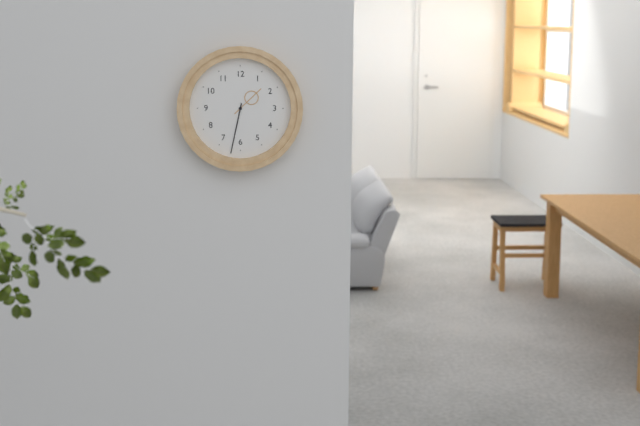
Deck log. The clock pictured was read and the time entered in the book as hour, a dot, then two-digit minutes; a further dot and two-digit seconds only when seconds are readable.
1.32
